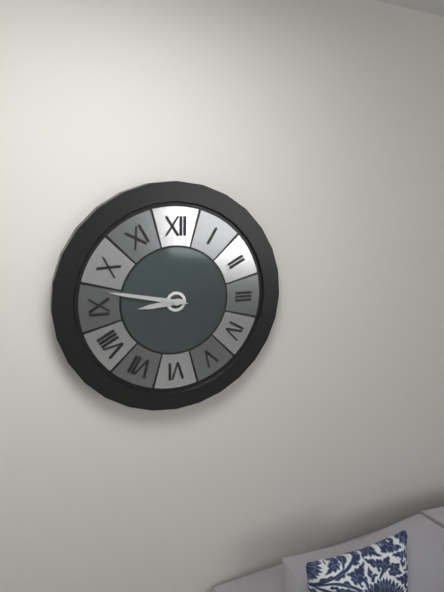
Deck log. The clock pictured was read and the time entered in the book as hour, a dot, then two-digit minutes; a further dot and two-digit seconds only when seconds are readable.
8.47
